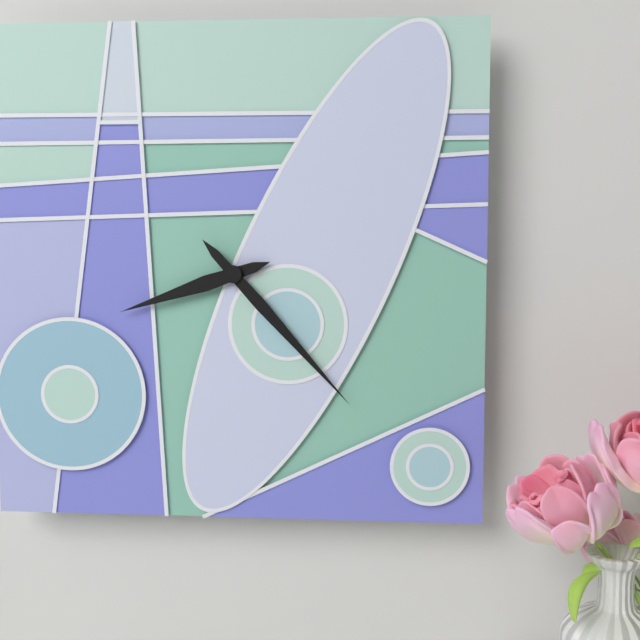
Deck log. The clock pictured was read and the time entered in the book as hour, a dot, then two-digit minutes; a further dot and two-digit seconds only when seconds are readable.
8.23
